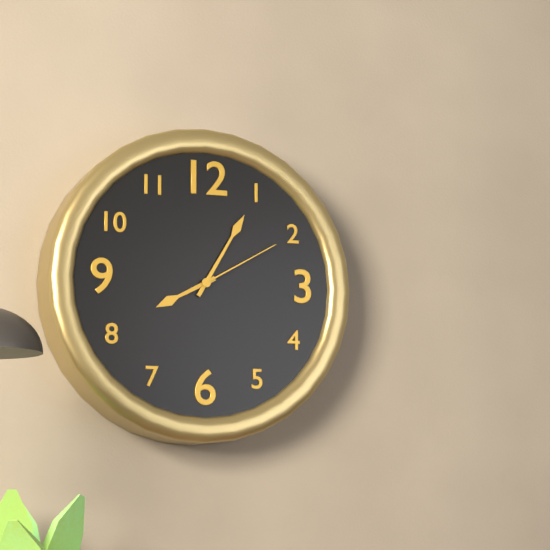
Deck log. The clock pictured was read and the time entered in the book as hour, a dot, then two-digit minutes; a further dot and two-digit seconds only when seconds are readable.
8.05.10
